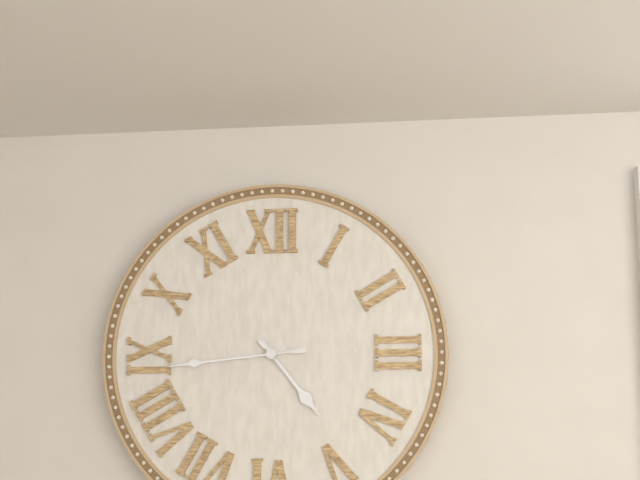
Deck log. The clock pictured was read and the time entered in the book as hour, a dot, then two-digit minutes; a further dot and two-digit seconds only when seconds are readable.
4.44
